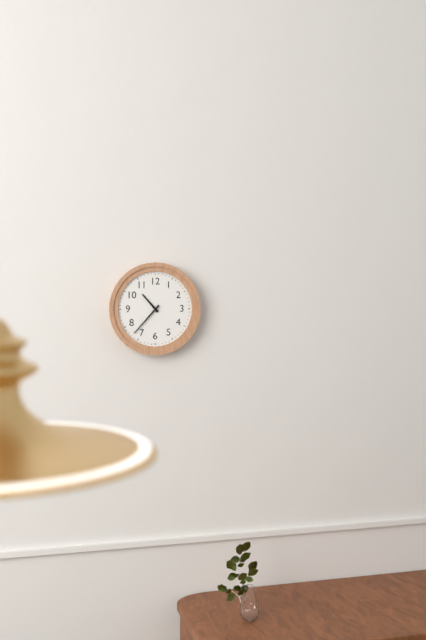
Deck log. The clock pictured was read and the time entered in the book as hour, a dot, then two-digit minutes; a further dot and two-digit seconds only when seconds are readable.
10.37
